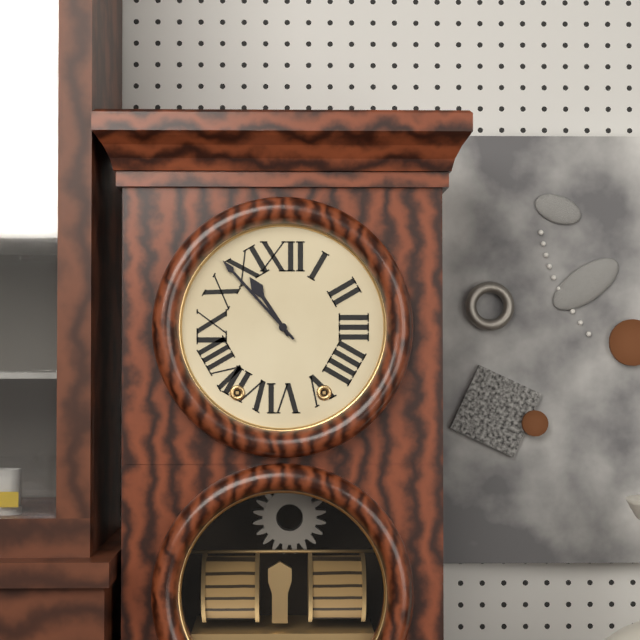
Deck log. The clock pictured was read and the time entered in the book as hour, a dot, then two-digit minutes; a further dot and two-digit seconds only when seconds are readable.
10.53
